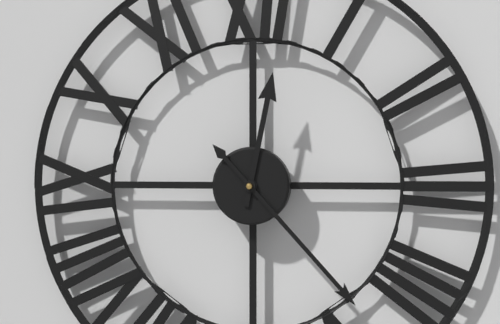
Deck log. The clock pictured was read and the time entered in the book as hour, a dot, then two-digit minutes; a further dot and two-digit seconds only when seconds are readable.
12.23
